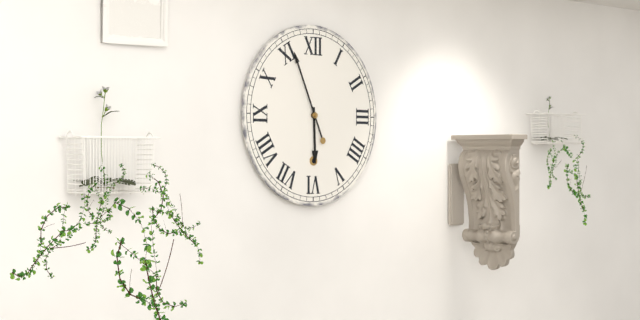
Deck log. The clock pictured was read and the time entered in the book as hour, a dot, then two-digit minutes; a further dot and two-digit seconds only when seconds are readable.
5.56
